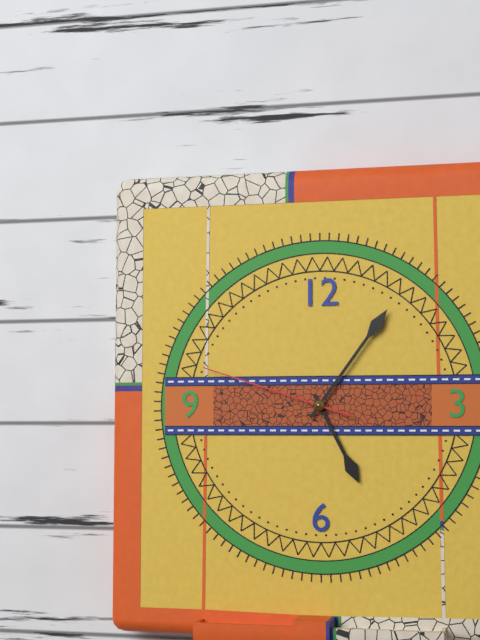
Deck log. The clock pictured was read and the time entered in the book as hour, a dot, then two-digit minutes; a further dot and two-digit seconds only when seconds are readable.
5.06.48
